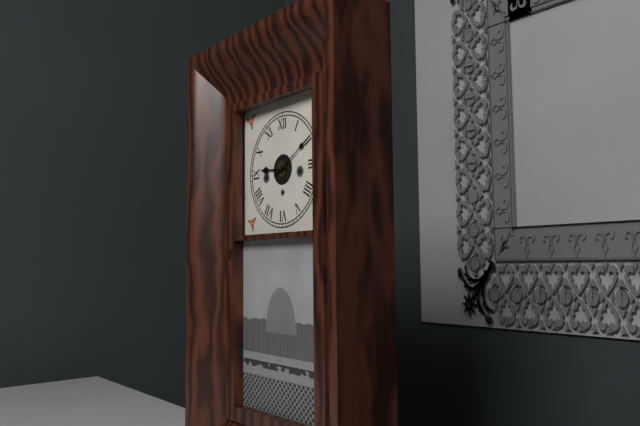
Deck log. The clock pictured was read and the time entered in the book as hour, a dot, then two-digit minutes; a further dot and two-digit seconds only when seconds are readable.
9.10
